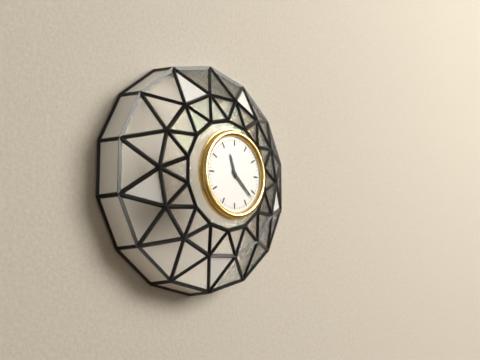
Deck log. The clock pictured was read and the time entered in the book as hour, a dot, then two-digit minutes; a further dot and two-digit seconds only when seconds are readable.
11.22
